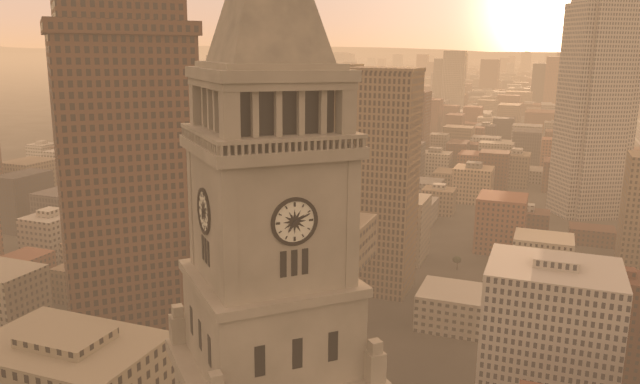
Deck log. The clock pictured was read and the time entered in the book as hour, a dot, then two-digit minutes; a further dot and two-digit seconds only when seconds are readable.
7.11
